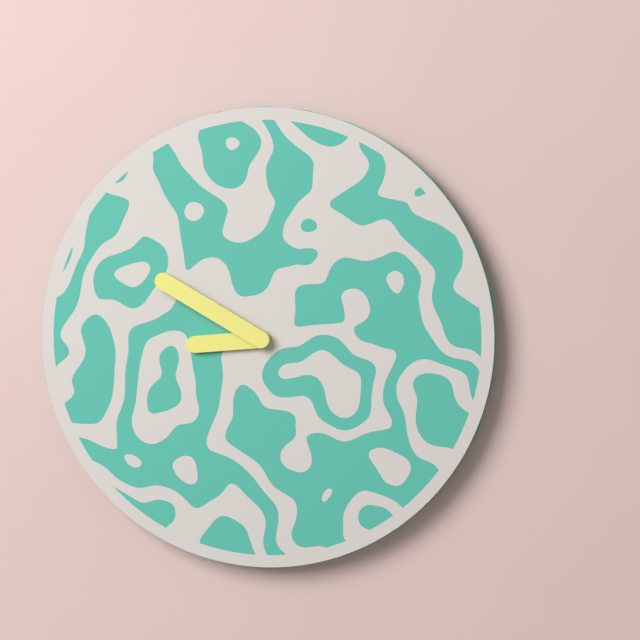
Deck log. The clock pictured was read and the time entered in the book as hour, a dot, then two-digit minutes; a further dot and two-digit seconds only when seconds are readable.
8.50
